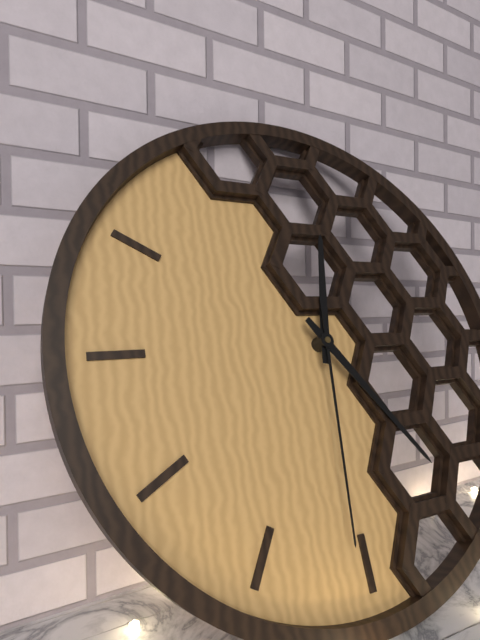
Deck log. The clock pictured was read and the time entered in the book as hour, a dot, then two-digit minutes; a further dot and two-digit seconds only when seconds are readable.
12.24.31
